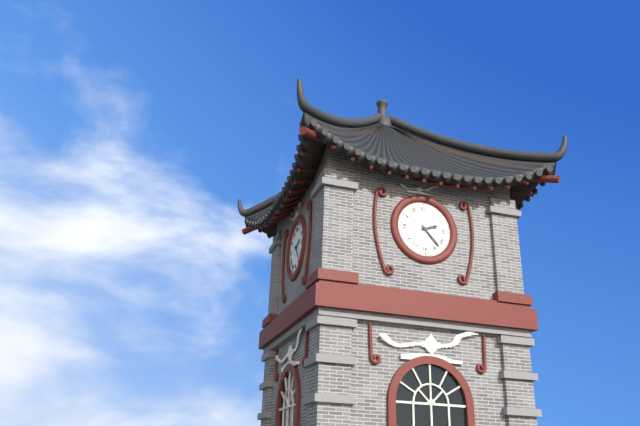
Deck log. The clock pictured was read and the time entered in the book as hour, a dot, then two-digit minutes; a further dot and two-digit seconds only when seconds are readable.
2.23
